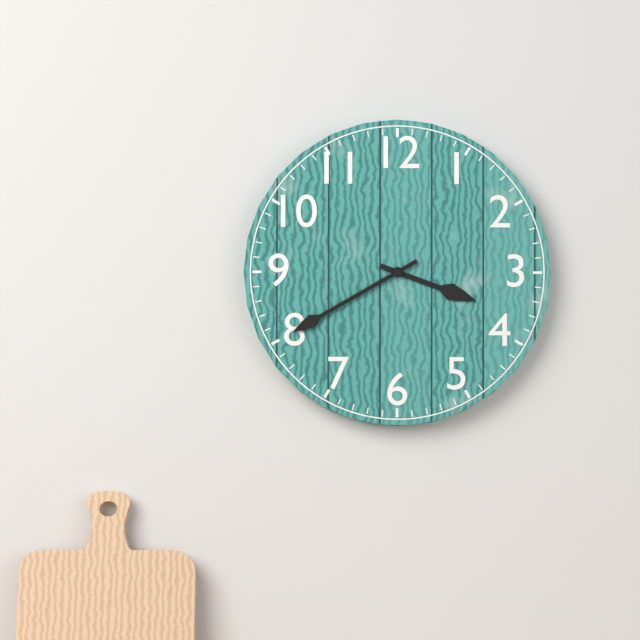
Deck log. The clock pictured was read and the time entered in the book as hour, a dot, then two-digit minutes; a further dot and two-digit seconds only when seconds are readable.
3.40
